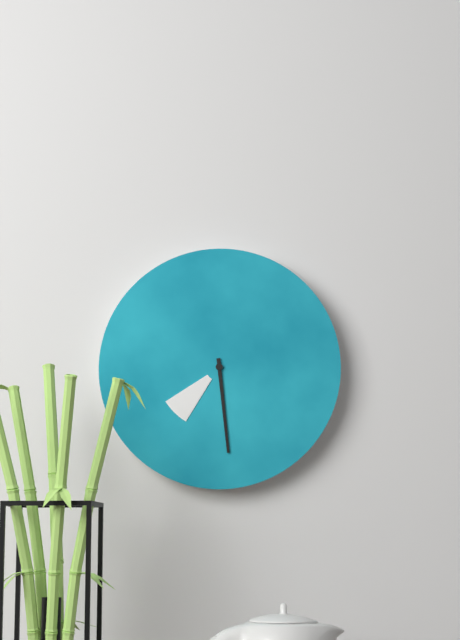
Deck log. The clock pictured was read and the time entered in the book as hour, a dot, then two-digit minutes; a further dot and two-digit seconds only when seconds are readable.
7.29
